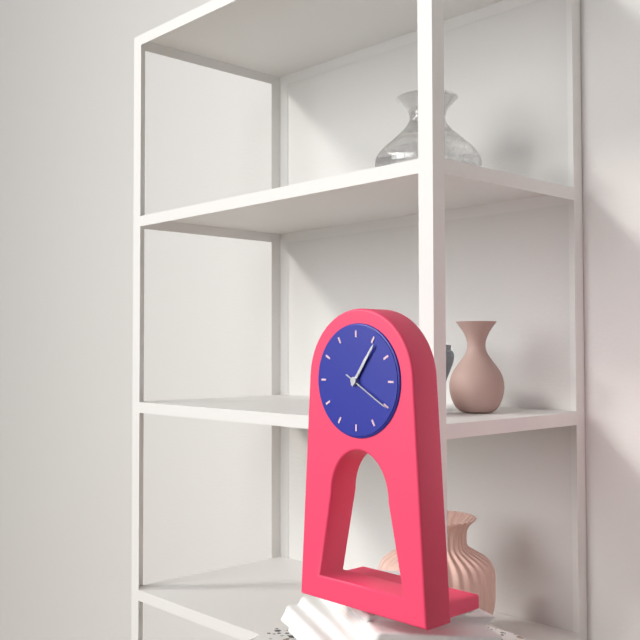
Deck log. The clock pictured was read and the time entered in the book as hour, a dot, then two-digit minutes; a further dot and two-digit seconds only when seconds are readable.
1.06
